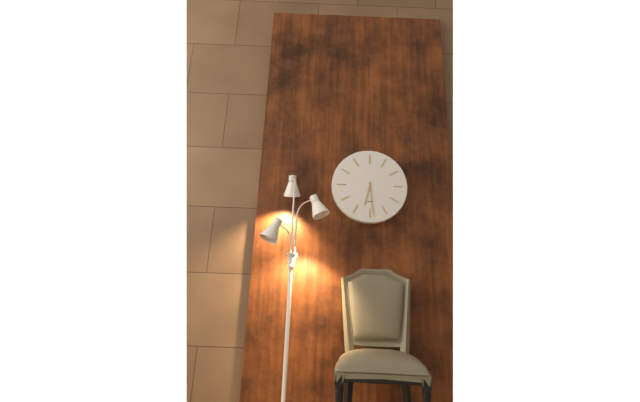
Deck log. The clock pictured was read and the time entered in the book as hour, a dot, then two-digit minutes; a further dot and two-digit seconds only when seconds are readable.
6.29
